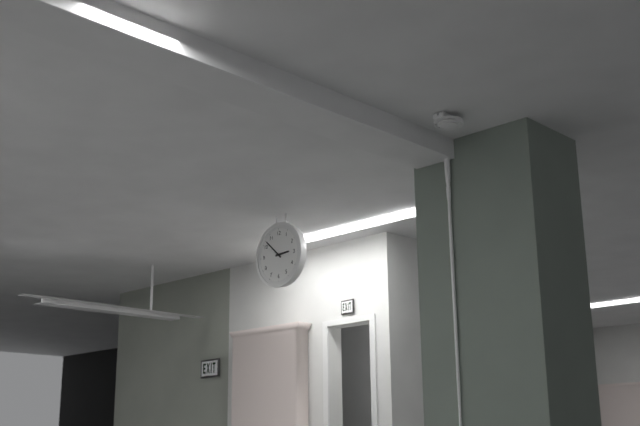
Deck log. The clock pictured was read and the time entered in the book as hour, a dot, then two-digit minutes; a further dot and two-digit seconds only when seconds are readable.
2.52
